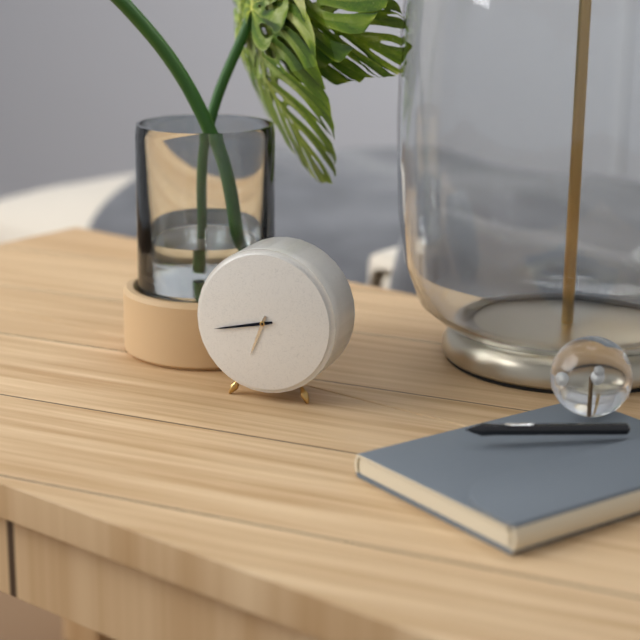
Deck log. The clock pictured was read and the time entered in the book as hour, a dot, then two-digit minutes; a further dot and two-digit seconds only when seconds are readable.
6.43
